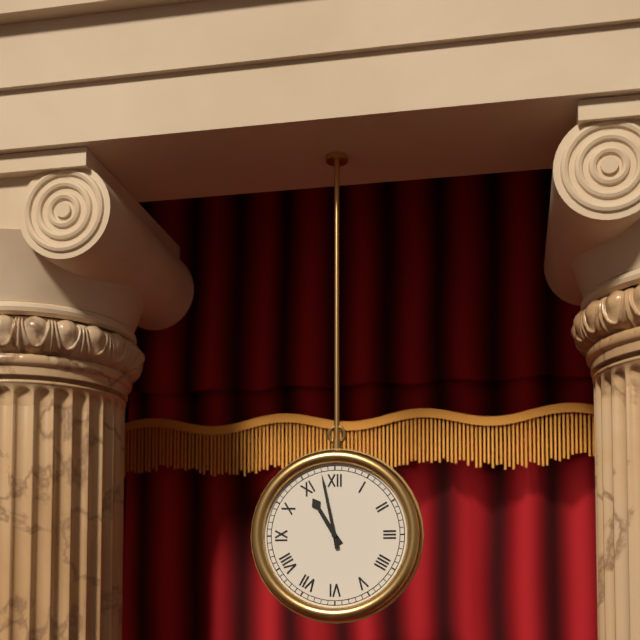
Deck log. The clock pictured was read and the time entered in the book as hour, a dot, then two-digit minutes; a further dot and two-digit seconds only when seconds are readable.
10.58
